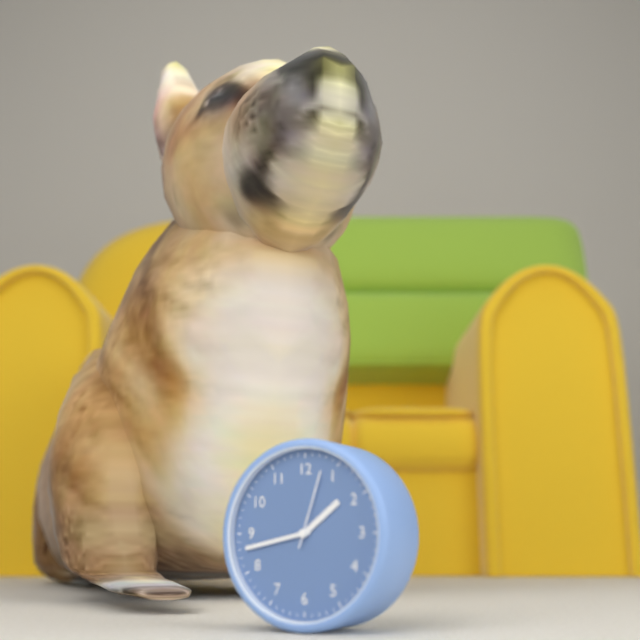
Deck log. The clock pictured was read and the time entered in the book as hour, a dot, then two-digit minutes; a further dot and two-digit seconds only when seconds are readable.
1.43.03
